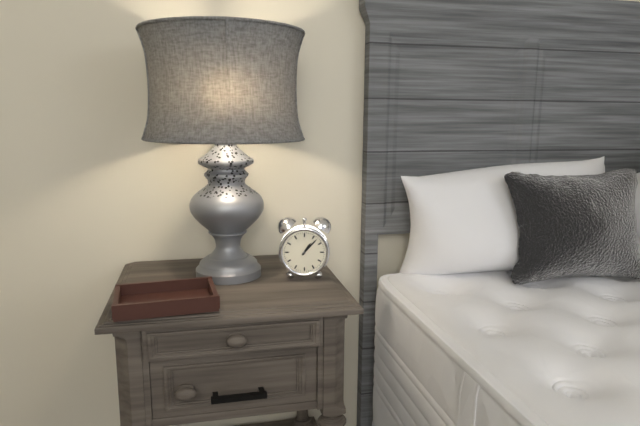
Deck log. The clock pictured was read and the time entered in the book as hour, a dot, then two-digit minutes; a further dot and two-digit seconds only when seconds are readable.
1.07
